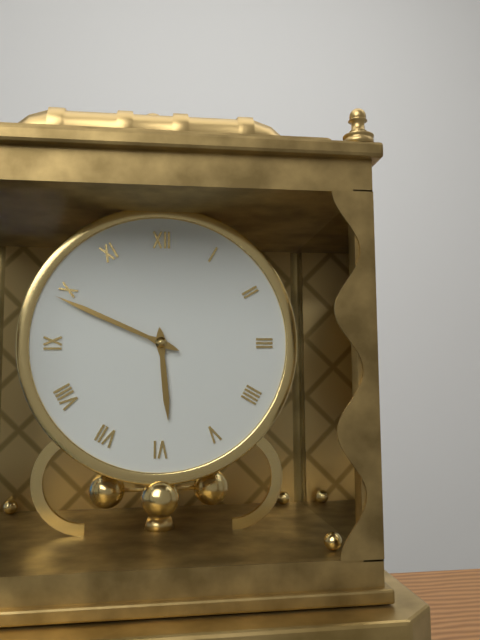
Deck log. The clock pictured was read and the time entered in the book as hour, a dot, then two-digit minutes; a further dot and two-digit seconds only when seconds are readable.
5.49
